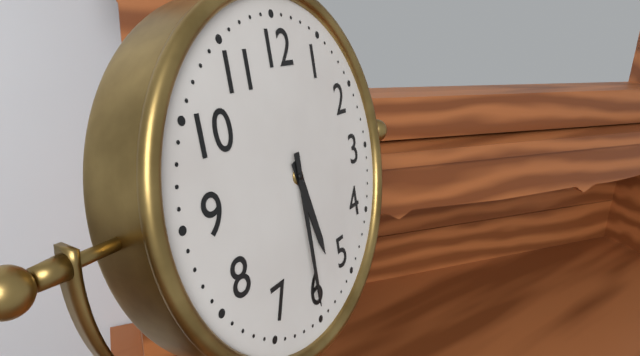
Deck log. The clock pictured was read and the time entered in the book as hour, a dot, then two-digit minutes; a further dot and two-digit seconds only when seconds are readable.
5.30
